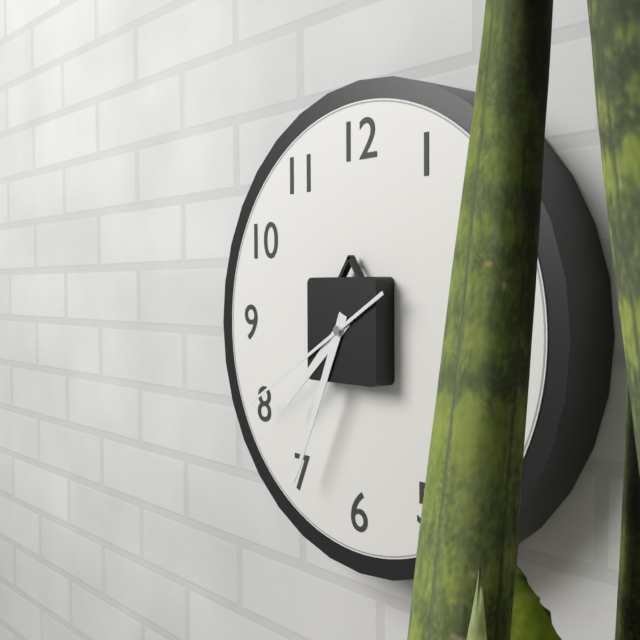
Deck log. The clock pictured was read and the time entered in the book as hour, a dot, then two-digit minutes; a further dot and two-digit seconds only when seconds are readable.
7.34.40
